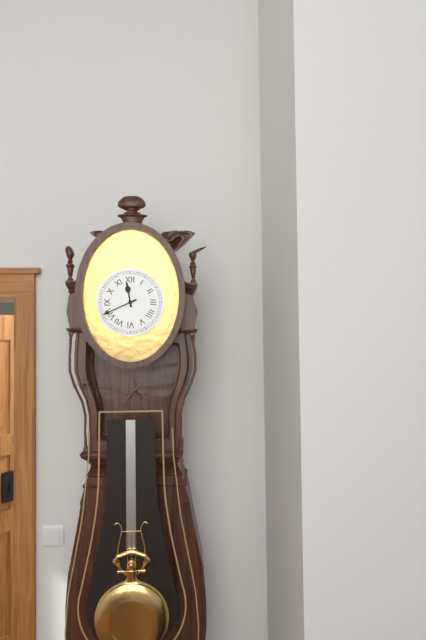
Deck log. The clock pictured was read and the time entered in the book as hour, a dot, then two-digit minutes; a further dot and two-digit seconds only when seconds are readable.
11.41
